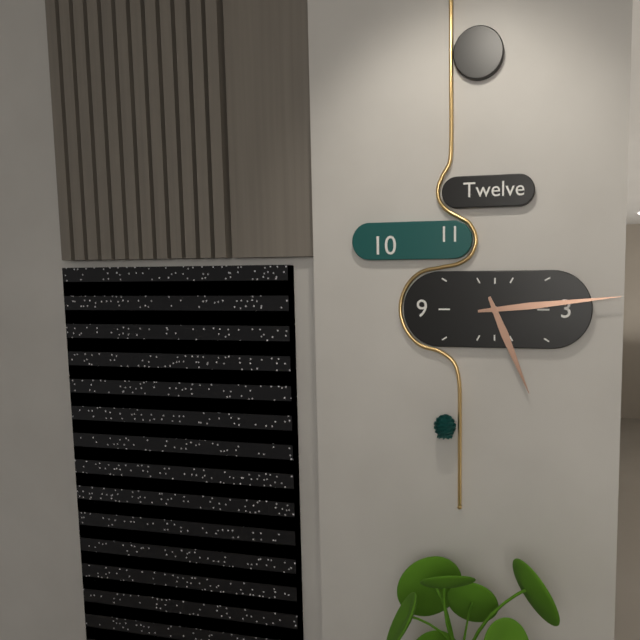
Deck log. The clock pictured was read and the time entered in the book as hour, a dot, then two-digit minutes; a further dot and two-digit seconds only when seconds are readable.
5.14
